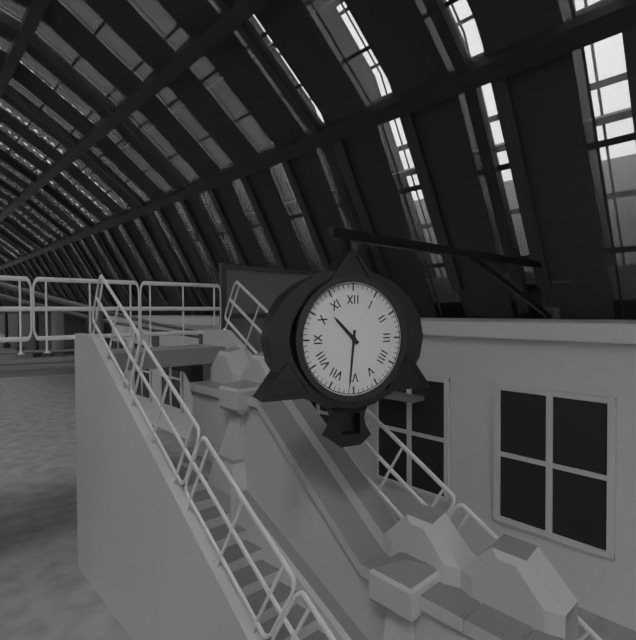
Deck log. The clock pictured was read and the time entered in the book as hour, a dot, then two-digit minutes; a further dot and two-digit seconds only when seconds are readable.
10.31
